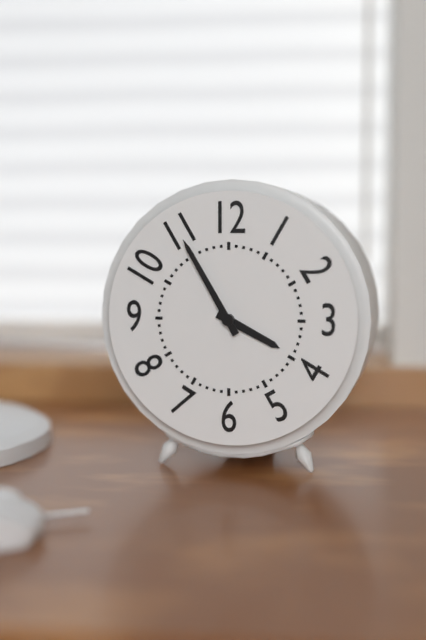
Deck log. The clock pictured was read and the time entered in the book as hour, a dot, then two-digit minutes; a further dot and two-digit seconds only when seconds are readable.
3.55
